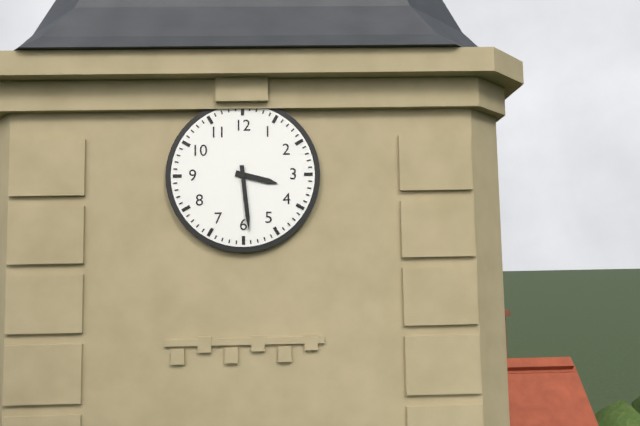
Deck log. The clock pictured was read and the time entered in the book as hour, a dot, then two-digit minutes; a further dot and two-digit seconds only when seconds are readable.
3.29
